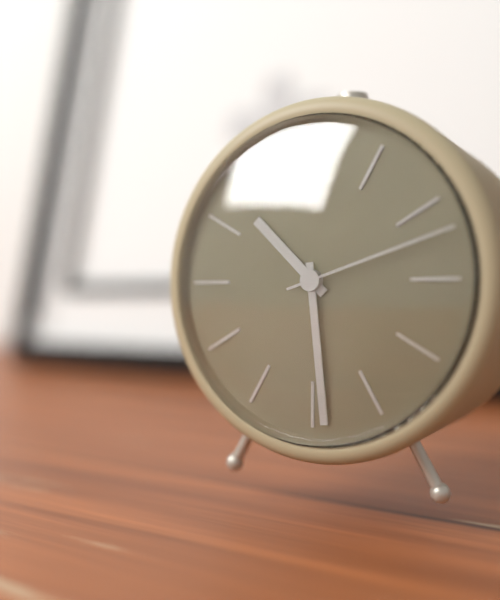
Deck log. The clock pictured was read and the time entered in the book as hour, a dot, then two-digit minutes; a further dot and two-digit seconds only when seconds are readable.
10.29.12
